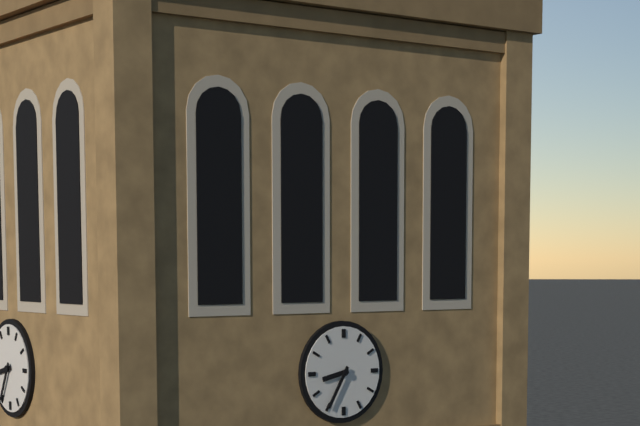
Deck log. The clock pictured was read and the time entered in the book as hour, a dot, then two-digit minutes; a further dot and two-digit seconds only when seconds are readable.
8.35
